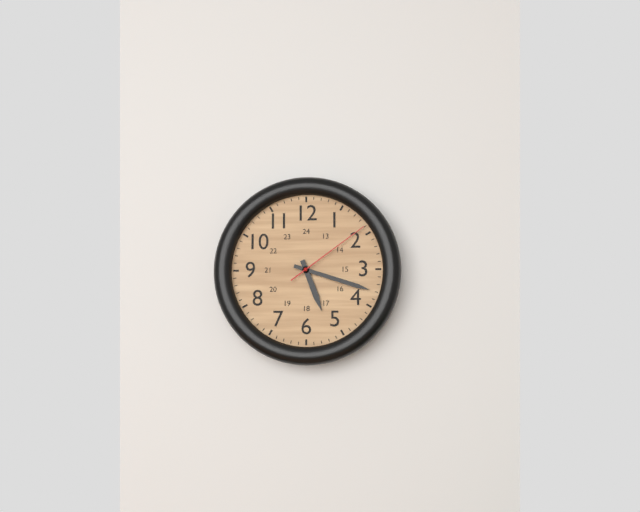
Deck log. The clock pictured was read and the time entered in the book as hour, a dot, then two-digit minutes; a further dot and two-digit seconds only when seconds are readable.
5.18.09
